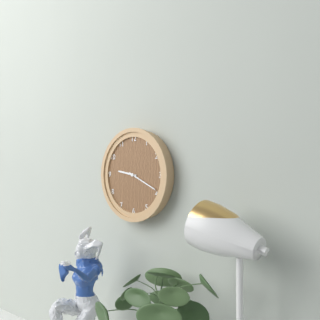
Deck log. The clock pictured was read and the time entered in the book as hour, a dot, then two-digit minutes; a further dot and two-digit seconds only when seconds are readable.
9.19
